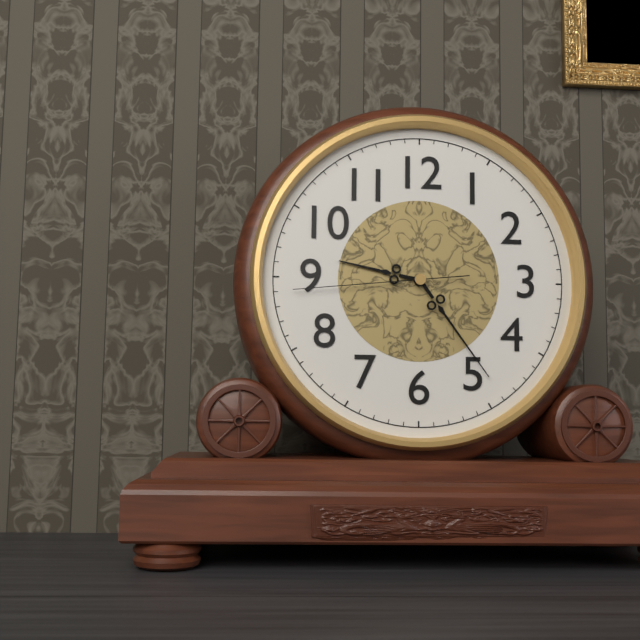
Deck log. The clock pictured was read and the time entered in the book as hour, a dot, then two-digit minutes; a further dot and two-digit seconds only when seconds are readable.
9.24.44
